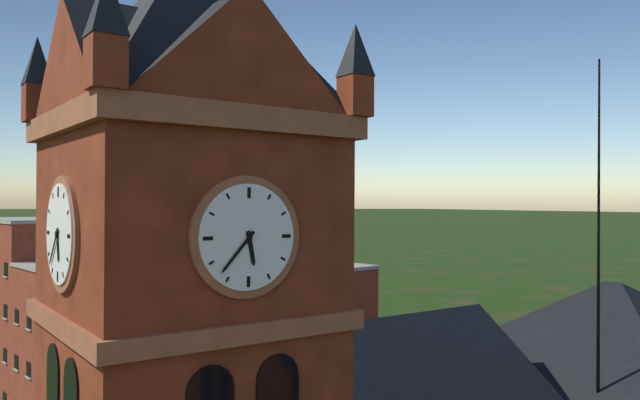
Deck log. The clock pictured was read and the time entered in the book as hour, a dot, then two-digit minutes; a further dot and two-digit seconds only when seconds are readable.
5.37
